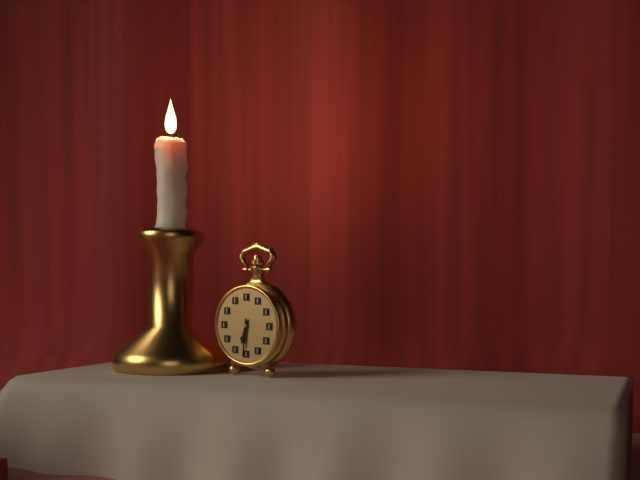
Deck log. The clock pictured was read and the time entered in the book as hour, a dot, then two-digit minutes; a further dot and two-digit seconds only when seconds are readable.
6.31
